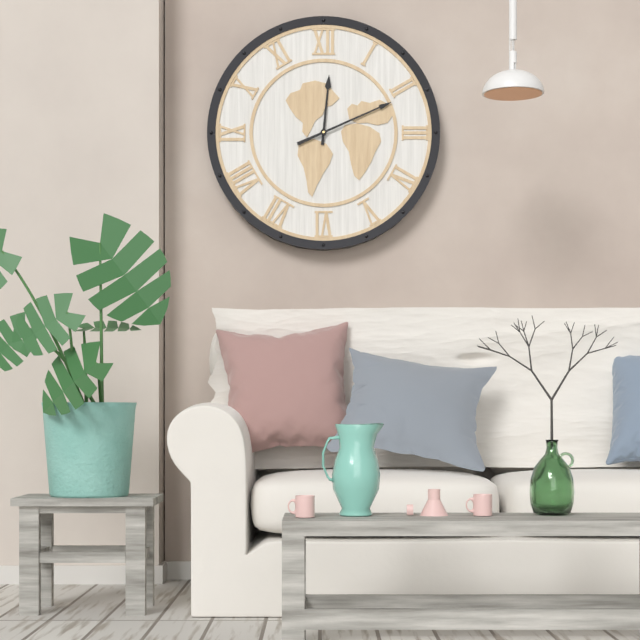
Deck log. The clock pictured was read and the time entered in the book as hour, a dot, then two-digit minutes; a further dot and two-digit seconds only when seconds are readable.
12.11
